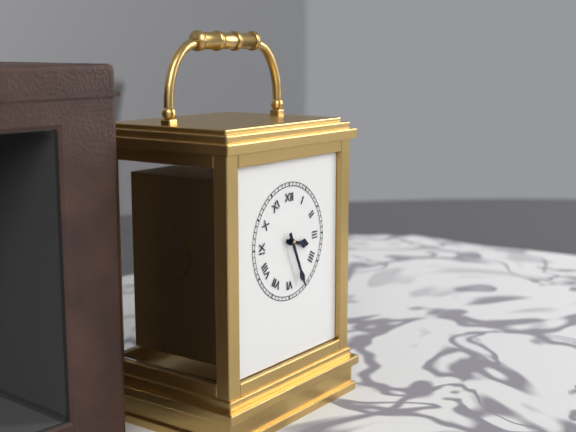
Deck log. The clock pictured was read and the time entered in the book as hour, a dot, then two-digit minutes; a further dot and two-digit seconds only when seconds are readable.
3.26
